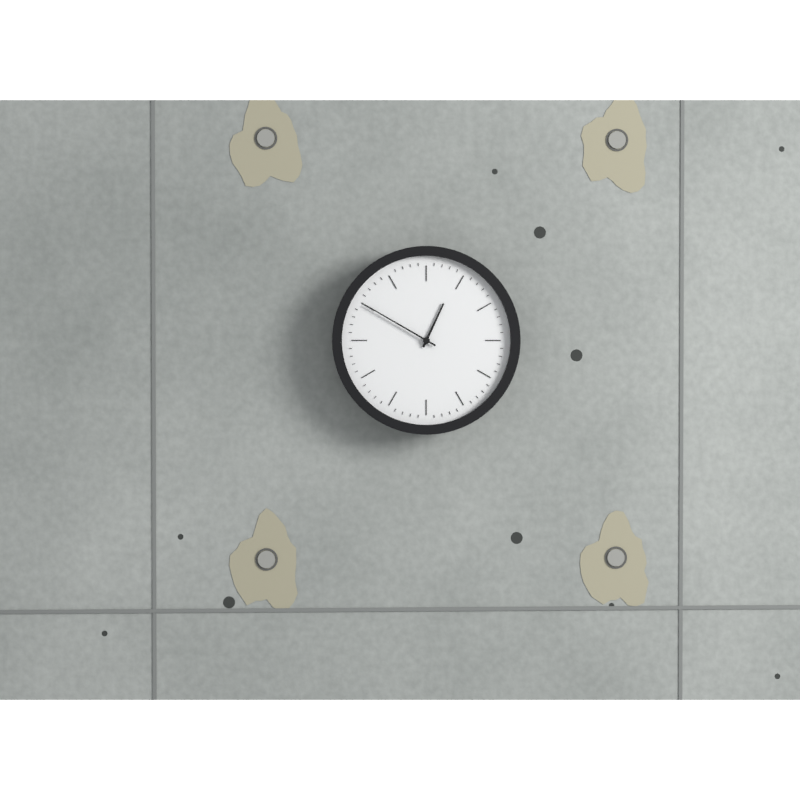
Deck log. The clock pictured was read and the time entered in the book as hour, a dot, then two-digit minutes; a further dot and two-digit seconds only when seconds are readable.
12.50
